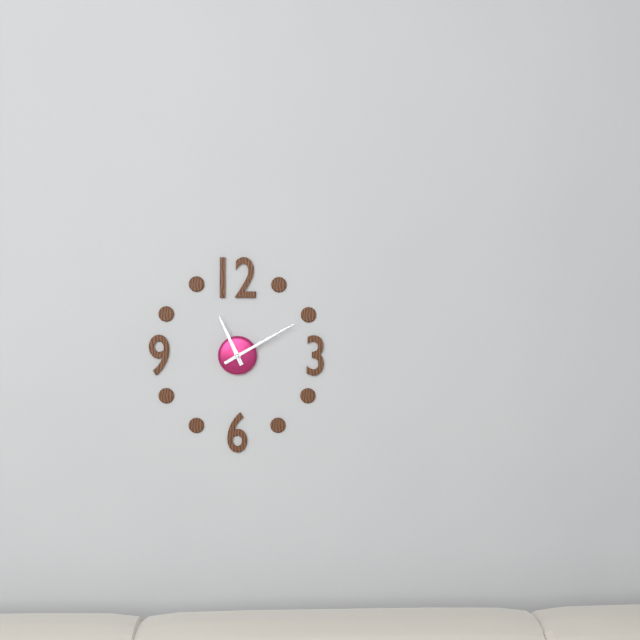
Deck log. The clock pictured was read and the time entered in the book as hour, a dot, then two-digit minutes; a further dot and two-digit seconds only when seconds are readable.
11.10
